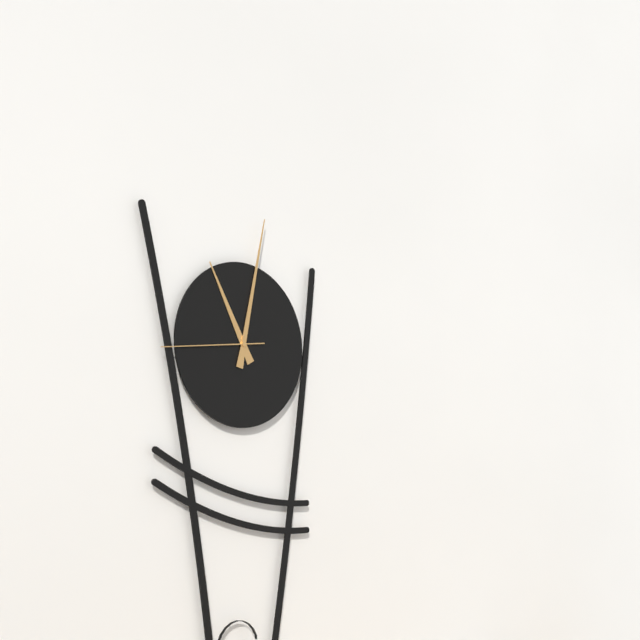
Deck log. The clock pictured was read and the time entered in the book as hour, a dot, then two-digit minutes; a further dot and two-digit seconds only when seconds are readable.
11.02.44
